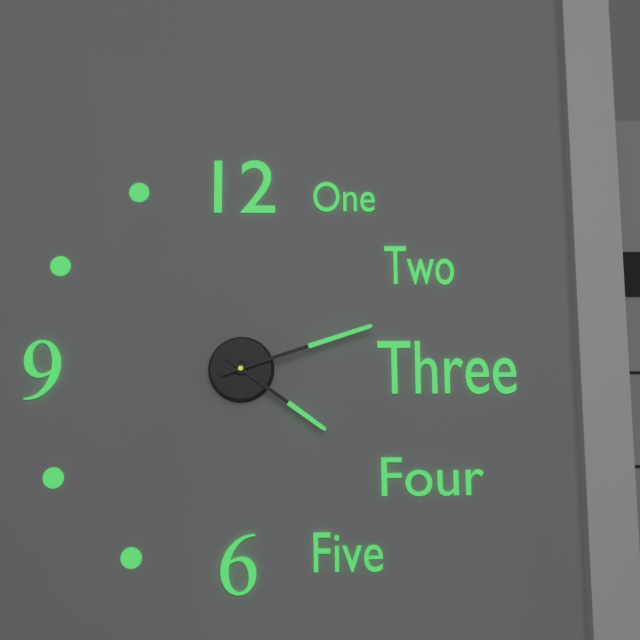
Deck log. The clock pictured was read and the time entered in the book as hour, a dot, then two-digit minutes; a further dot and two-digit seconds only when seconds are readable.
4.12
